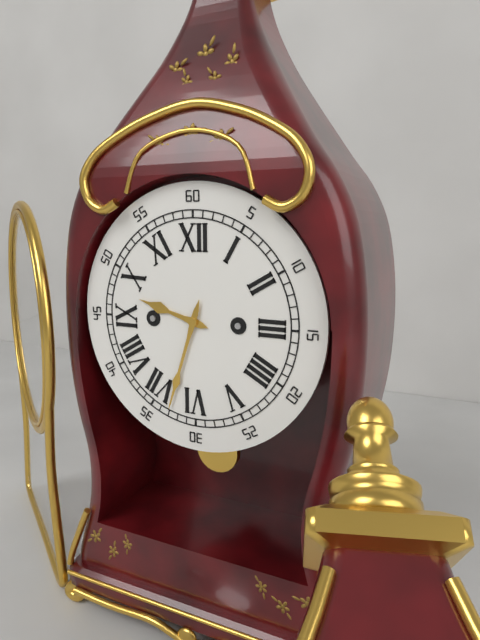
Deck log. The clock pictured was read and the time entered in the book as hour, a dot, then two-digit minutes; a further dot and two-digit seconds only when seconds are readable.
9.33
